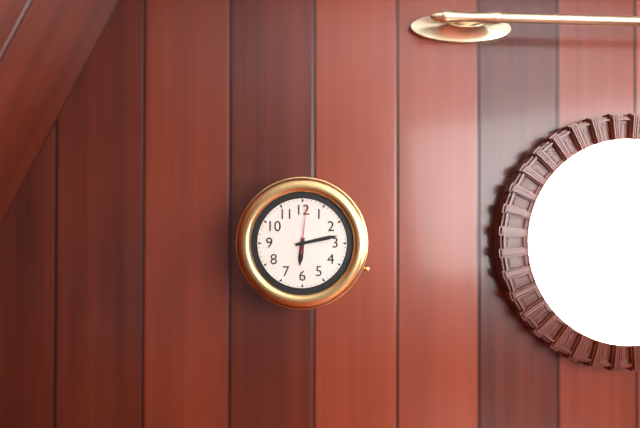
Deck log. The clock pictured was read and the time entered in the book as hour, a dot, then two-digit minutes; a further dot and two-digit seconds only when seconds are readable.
6.13
